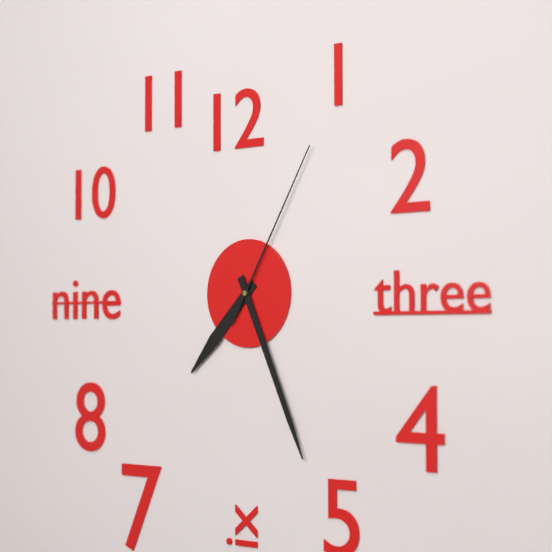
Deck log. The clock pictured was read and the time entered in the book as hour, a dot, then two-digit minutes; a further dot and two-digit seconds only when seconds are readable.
7.26.05
